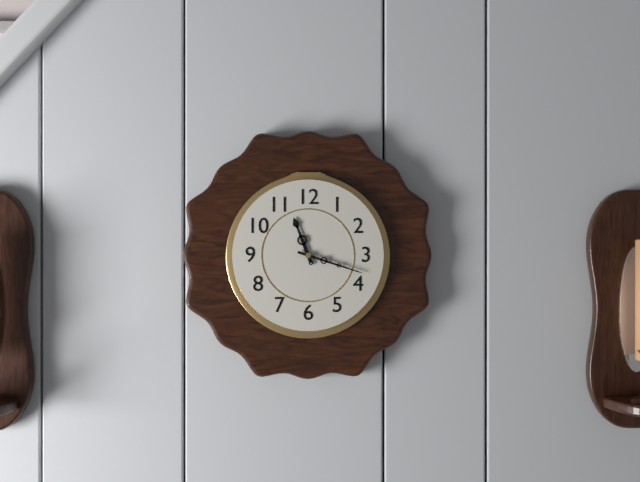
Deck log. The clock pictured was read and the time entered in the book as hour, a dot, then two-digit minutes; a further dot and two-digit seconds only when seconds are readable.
11.18
